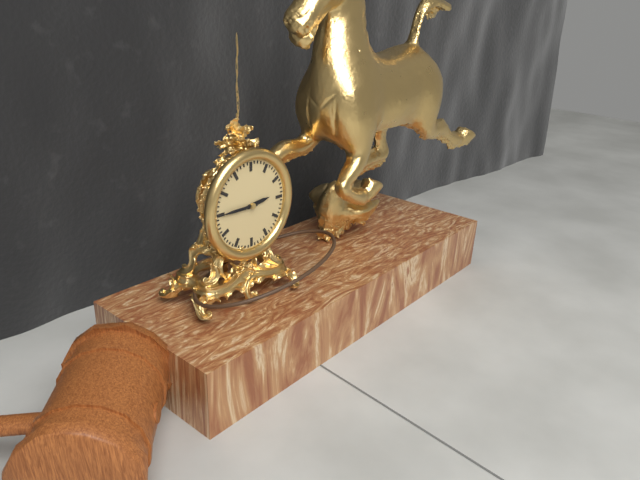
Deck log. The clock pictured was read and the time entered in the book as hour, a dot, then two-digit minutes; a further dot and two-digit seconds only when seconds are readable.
2.45
